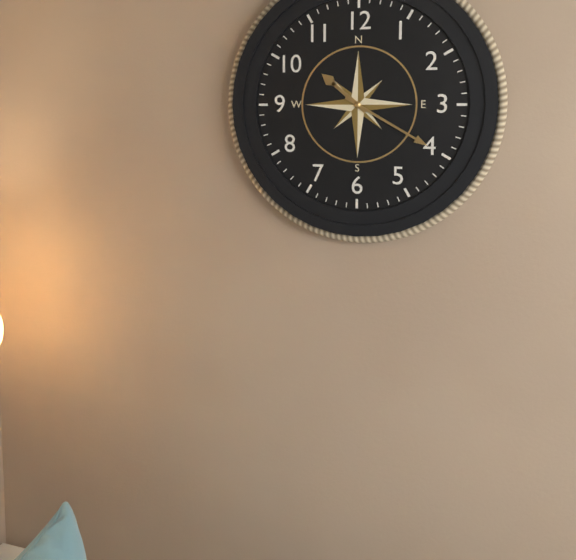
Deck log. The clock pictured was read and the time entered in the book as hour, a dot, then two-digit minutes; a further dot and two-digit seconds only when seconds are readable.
10.20
